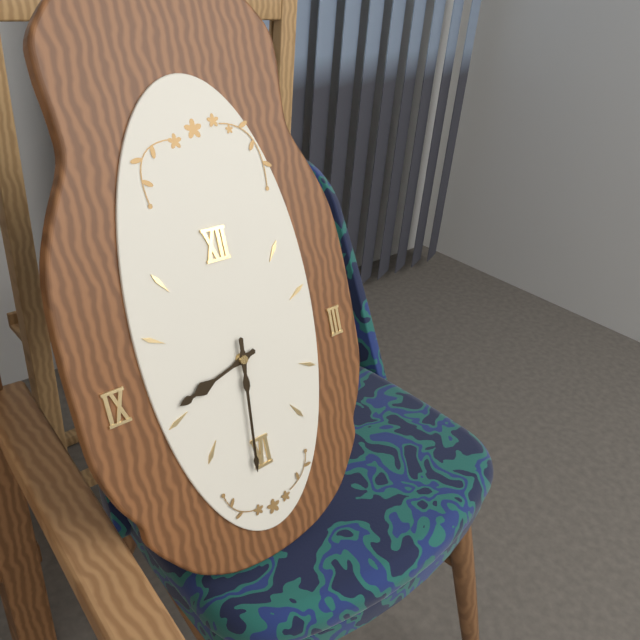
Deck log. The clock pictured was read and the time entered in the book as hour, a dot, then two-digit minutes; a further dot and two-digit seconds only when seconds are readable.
8.31
